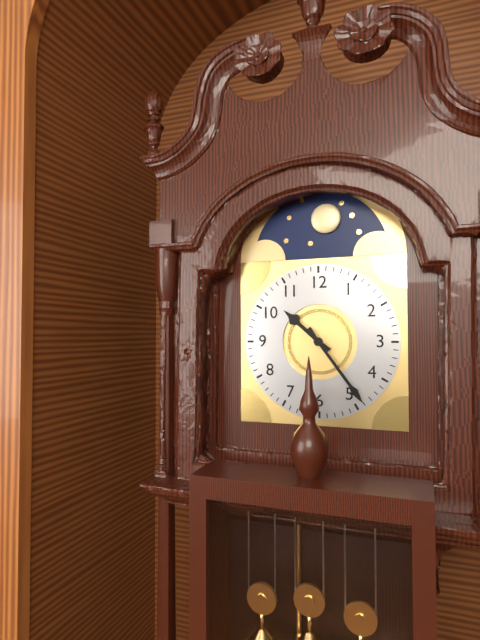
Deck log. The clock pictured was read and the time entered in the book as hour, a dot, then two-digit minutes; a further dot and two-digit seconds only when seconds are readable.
10.24
